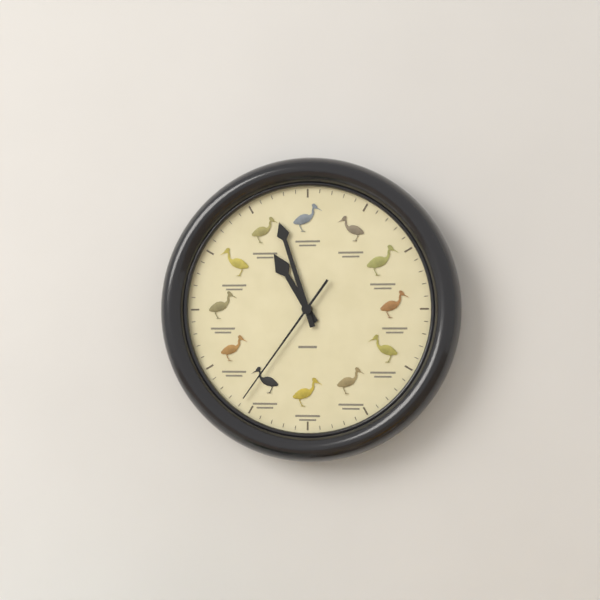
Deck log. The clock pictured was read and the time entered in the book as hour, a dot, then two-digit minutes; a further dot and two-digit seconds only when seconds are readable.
10.57.36
